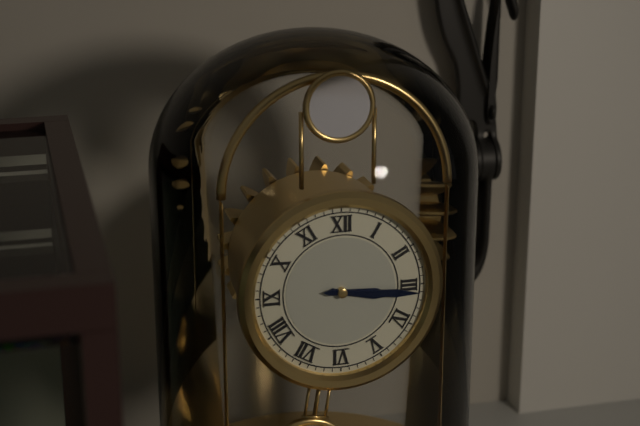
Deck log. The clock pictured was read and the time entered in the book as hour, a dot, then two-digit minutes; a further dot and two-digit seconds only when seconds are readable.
3.16
